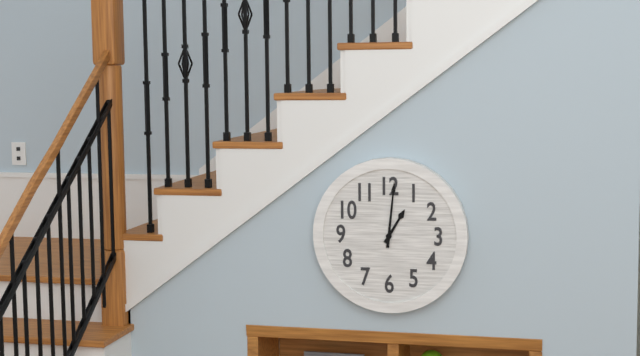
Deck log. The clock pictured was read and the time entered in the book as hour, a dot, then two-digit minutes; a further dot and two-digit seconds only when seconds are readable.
1.01
